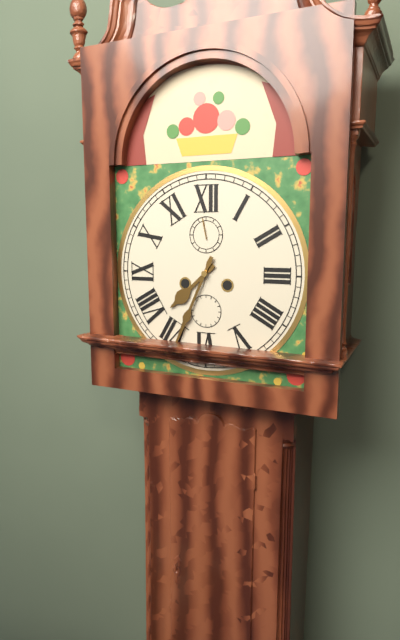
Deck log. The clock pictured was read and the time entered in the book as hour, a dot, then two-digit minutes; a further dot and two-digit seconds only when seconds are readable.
7.34
